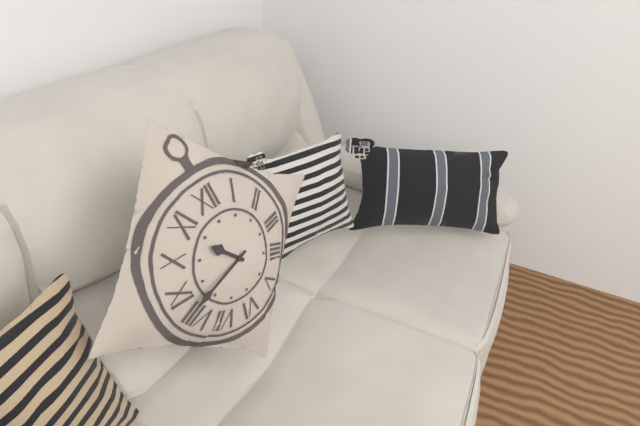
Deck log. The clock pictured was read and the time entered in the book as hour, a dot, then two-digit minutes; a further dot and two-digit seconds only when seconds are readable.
10.43
